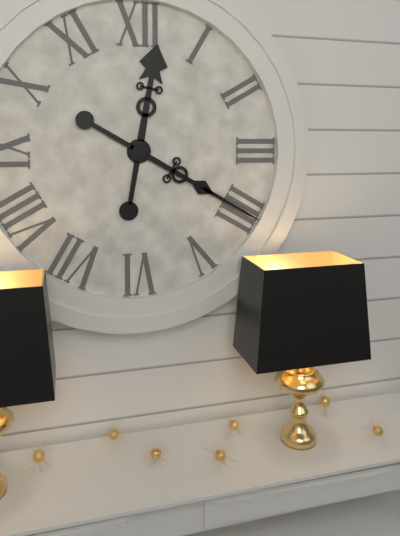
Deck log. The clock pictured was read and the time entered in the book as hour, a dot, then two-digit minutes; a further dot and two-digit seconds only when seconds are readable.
12.20
